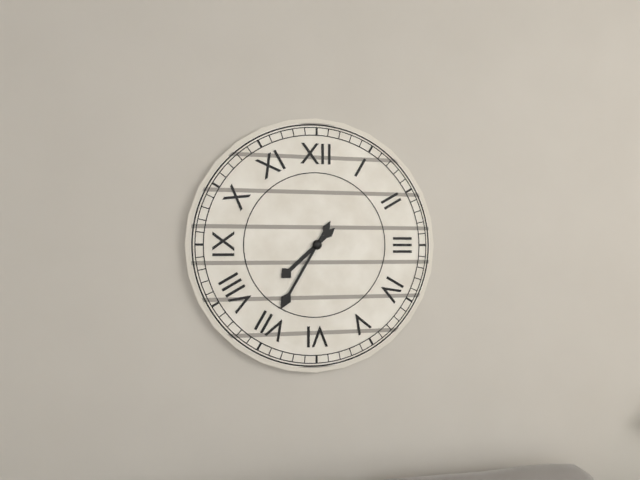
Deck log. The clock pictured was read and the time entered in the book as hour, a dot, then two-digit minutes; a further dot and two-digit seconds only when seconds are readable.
7.35
